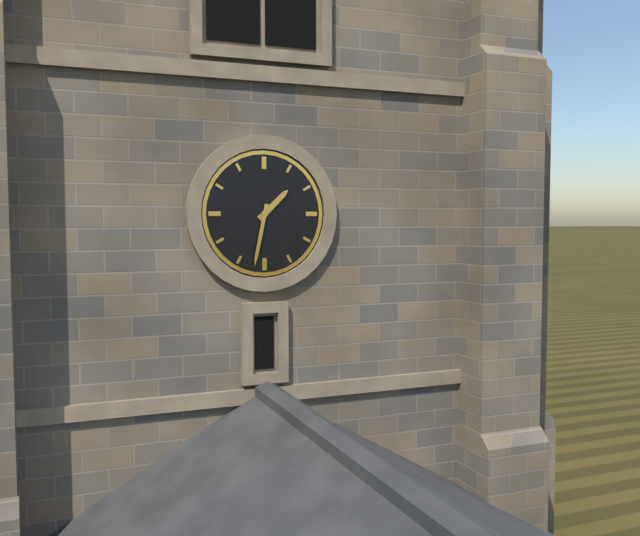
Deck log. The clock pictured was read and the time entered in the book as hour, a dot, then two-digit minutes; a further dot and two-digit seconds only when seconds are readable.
1.32
